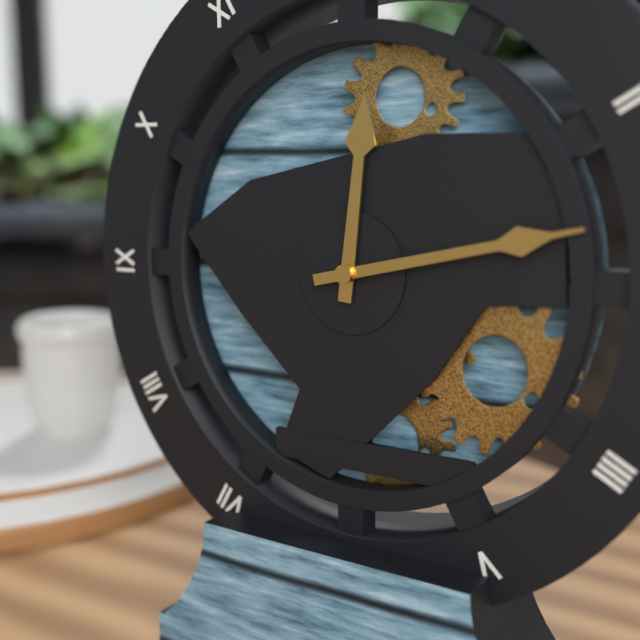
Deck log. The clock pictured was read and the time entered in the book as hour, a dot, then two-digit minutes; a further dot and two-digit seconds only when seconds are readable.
12.13
